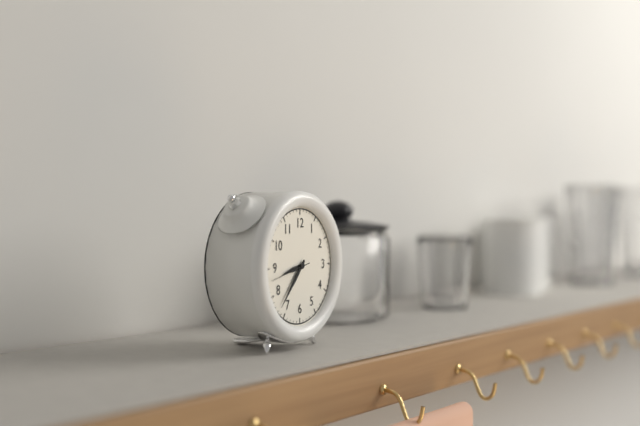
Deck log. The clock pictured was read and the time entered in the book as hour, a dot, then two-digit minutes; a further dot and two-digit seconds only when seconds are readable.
8.37
